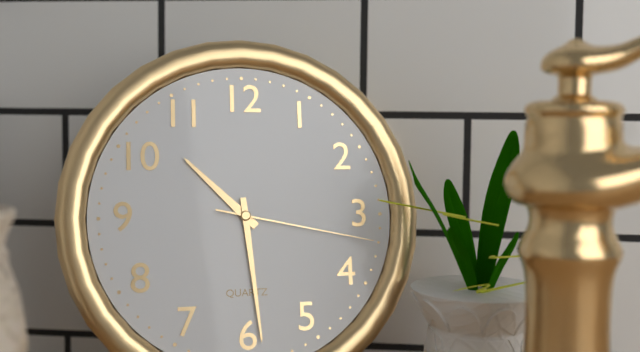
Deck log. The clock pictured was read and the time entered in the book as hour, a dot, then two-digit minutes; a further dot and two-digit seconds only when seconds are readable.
10.29.17
